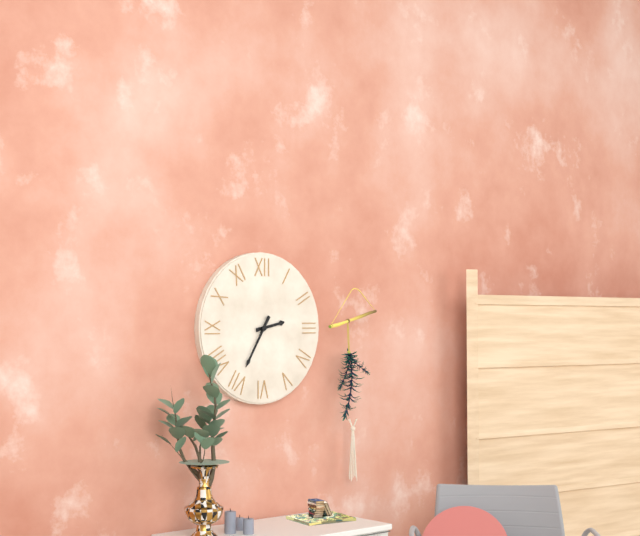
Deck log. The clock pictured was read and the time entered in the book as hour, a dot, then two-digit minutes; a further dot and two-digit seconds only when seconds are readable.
2.35
